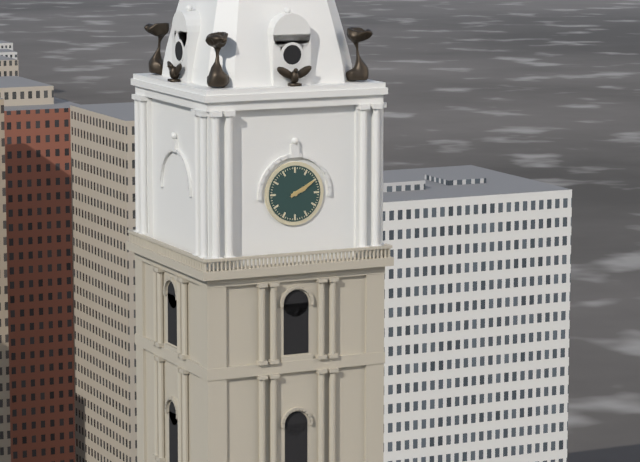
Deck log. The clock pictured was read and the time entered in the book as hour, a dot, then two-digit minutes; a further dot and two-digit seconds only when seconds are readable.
2.10
